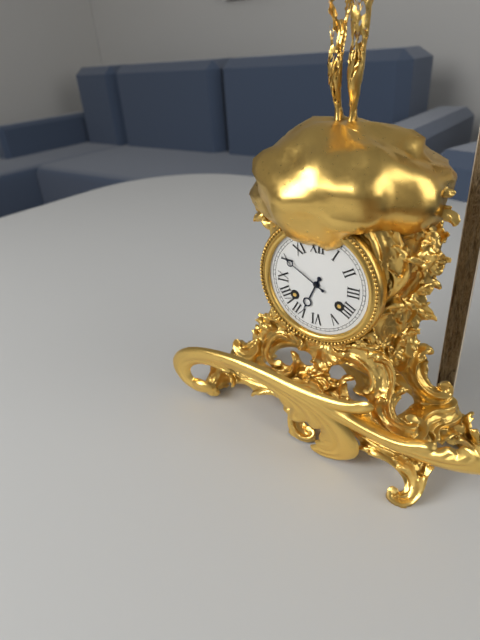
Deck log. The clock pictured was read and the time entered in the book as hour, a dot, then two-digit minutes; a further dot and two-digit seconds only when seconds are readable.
6.50
